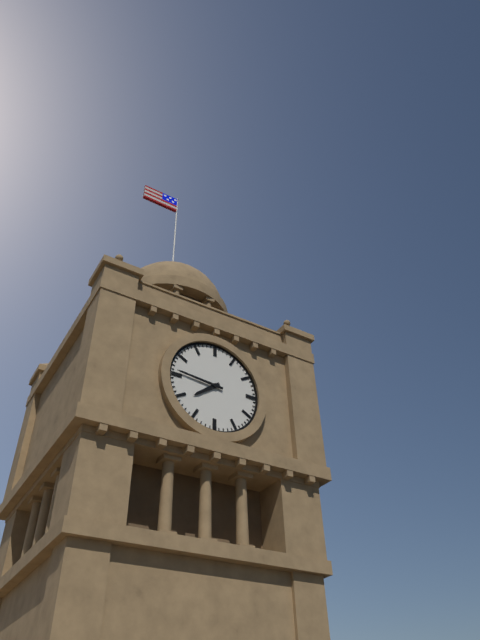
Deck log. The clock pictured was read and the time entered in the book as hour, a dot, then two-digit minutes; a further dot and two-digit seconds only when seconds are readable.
7.46
